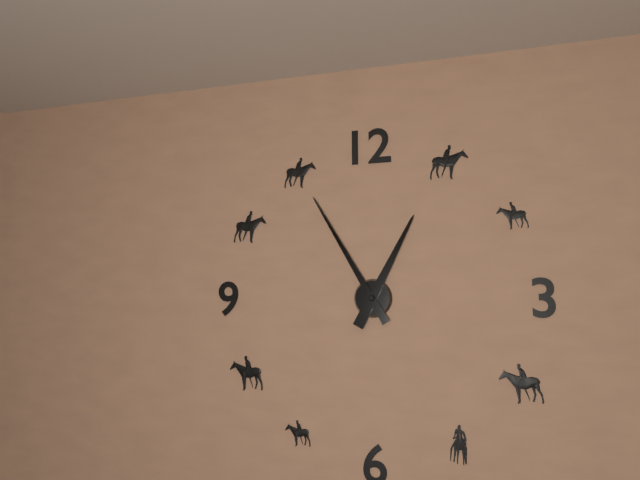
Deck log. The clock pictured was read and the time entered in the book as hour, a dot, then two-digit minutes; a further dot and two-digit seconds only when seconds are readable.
12.55
